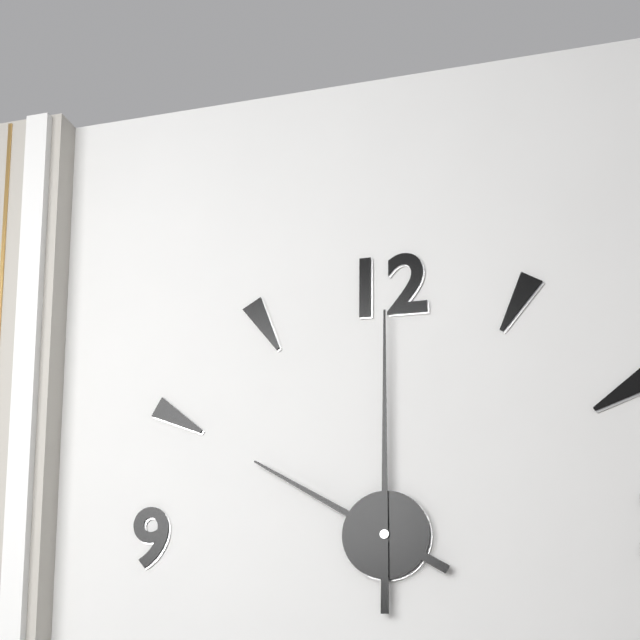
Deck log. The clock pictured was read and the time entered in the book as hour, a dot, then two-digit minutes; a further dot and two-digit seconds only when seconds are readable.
10.00
